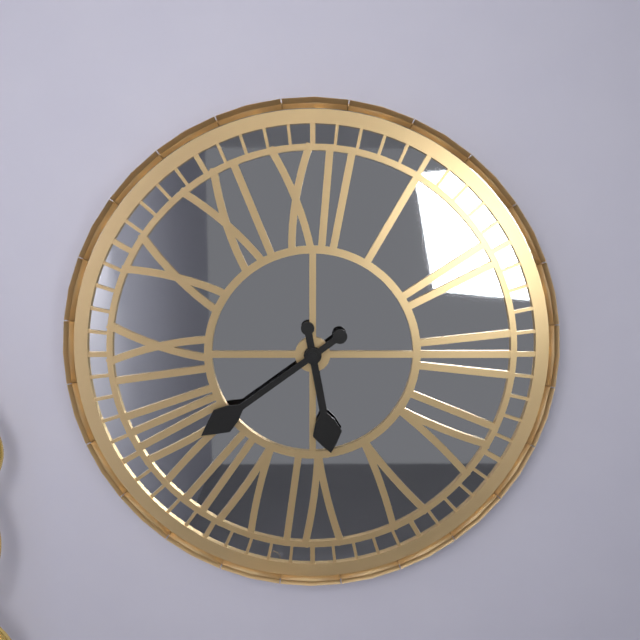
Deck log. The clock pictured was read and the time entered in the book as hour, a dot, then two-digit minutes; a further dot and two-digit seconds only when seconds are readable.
5.39
